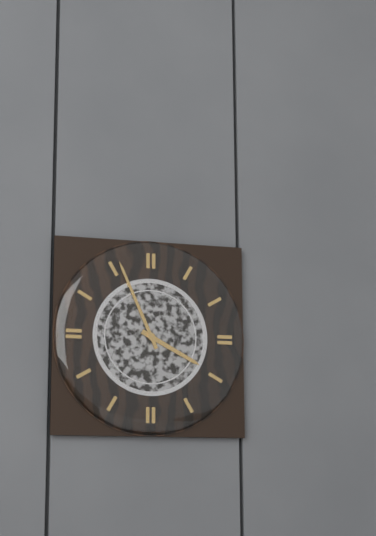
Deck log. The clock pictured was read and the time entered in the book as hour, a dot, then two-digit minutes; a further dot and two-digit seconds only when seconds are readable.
3.56
